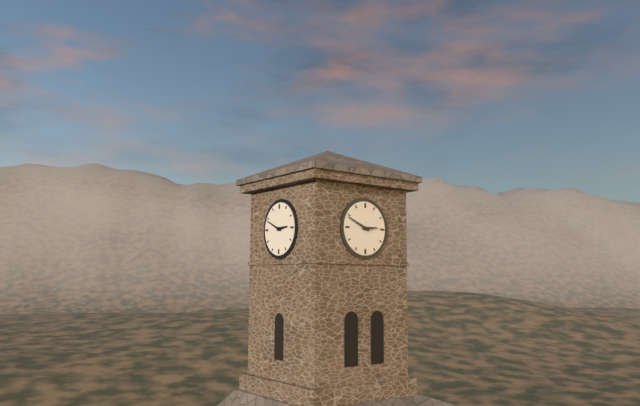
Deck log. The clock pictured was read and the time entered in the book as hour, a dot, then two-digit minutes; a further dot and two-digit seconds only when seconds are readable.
2.49
